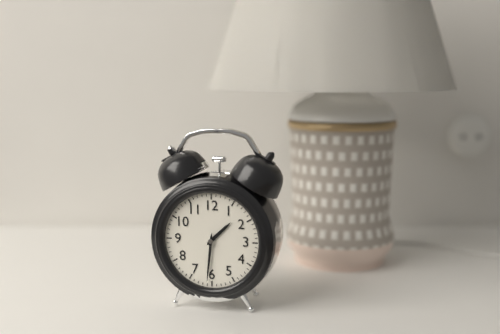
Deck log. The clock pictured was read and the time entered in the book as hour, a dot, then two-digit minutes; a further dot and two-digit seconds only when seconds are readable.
1.31
